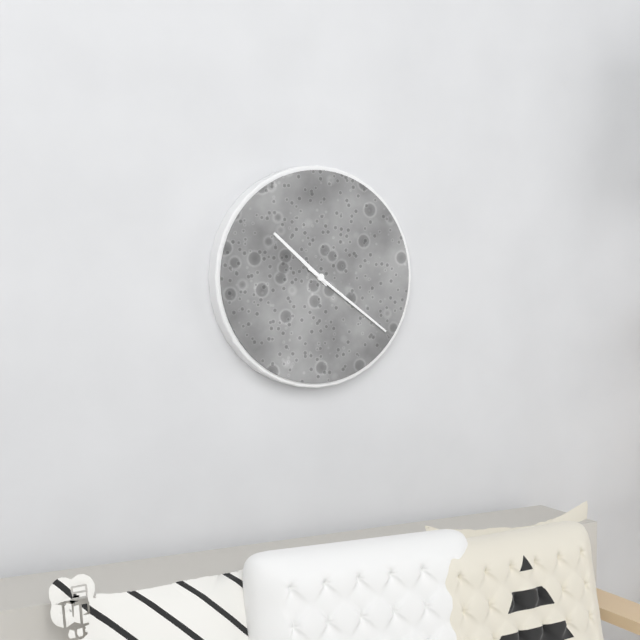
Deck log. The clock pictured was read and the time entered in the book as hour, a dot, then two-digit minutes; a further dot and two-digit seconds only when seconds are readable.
10.21
